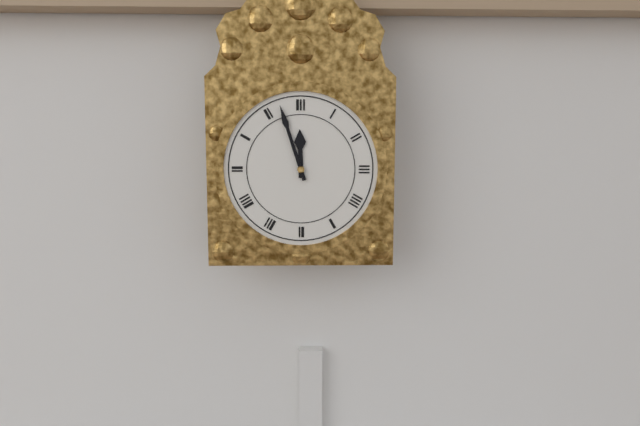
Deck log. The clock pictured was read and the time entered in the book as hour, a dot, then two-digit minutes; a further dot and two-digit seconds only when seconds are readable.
11.57
